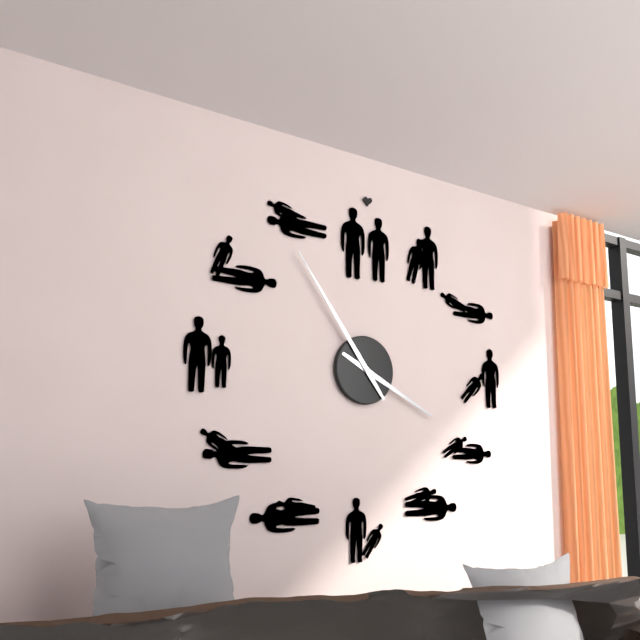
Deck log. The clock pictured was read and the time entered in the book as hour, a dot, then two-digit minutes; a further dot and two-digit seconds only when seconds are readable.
3.54
